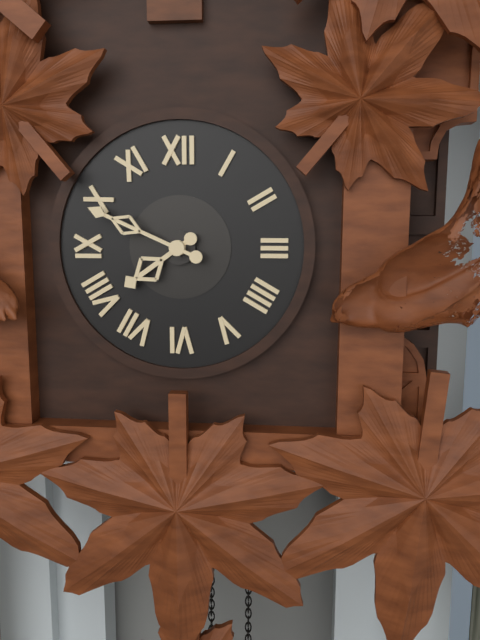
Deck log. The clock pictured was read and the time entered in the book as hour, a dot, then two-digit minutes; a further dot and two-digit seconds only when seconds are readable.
7.49
